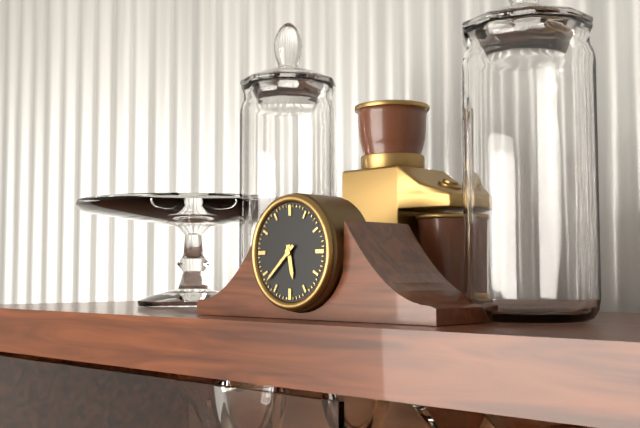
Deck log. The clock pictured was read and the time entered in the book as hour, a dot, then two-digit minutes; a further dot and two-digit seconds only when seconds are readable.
5.38
